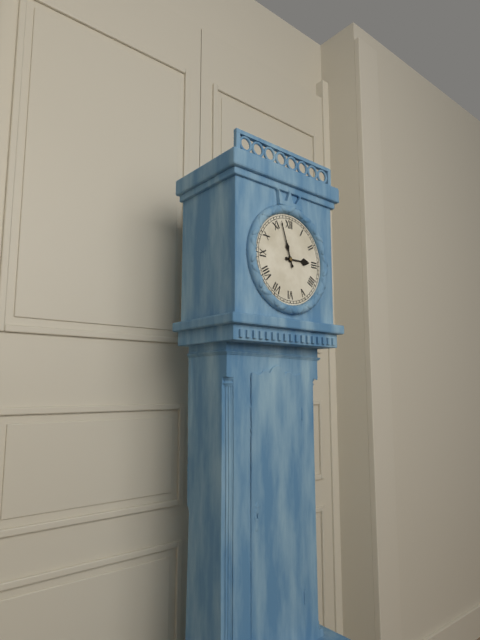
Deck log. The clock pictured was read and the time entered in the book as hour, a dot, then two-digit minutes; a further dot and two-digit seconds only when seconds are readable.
2.57
